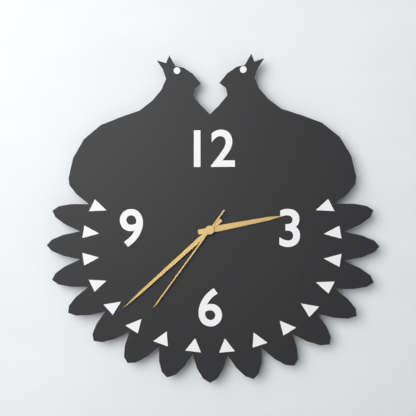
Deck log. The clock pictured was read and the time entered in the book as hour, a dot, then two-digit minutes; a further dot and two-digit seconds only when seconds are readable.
2.38.36
